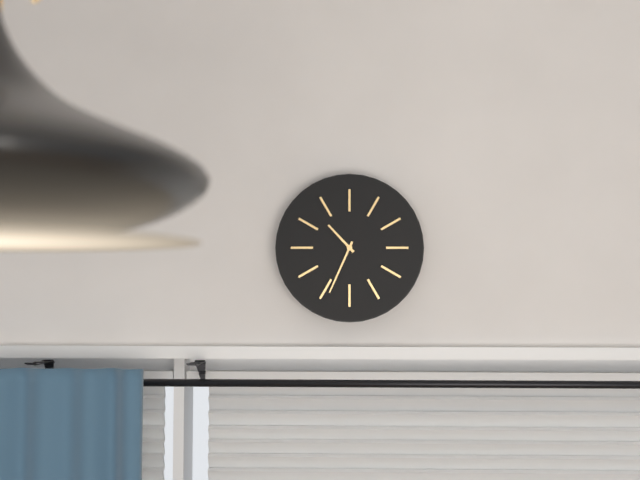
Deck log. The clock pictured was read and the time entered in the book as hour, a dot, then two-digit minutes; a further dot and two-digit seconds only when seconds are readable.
10.34
